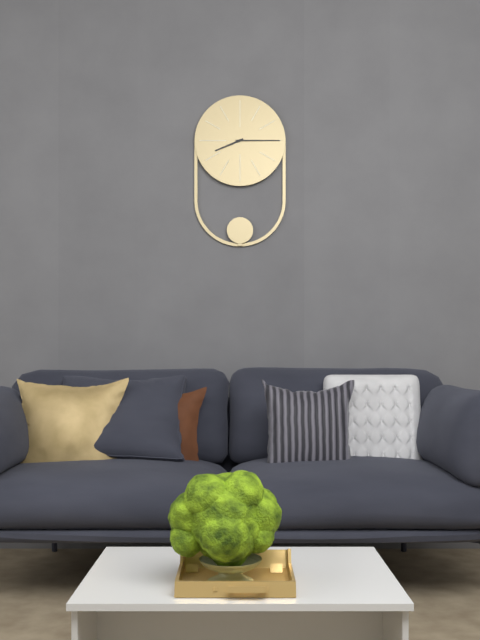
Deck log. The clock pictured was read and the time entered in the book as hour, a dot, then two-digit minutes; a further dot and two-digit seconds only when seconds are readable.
8.15
